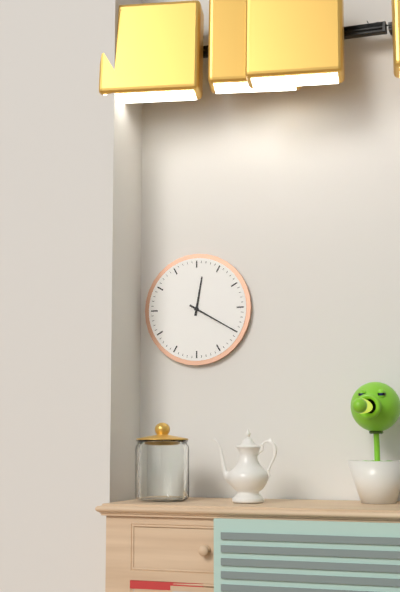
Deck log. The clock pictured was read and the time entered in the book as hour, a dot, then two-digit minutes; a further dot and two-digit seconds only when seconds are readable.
12.20
